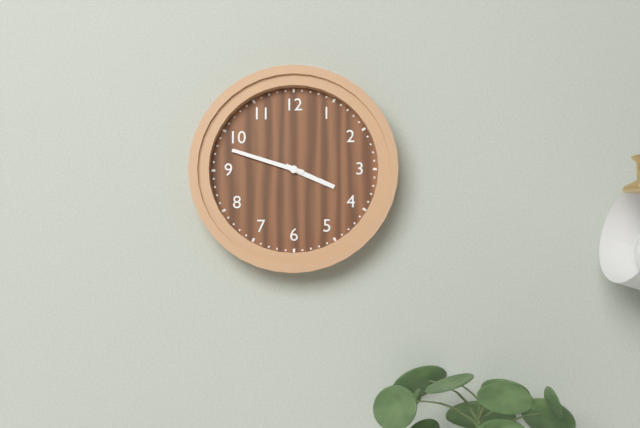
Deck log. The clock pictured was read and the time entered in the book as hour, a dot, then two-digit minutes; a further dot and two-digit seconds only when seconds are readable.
3.48
